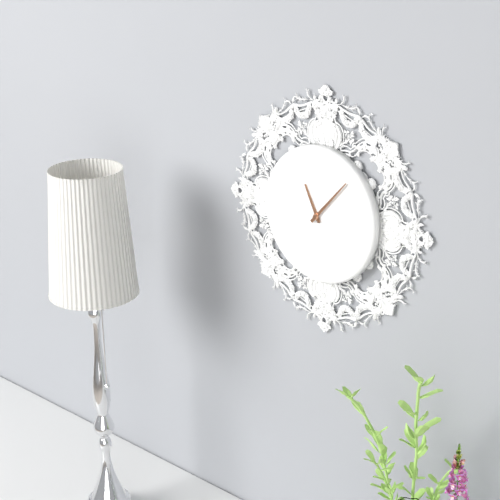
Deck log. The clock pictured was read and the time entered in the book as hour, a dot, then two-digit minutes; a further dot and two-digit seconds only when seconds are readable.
11.07
